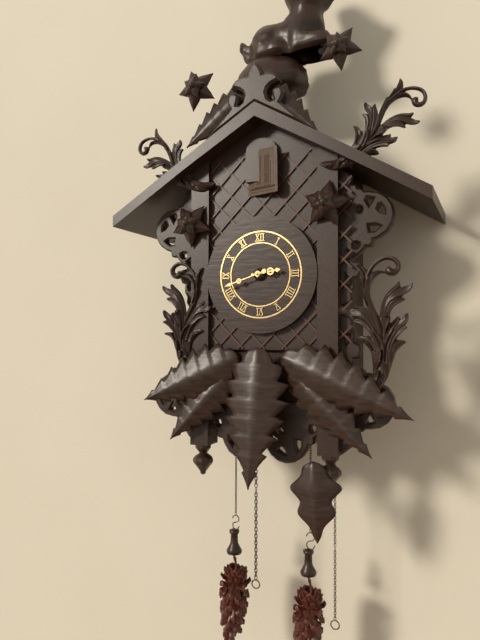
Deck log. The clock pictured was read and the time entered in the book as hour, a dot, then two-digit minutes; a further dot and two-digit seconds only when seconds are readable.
2.42
